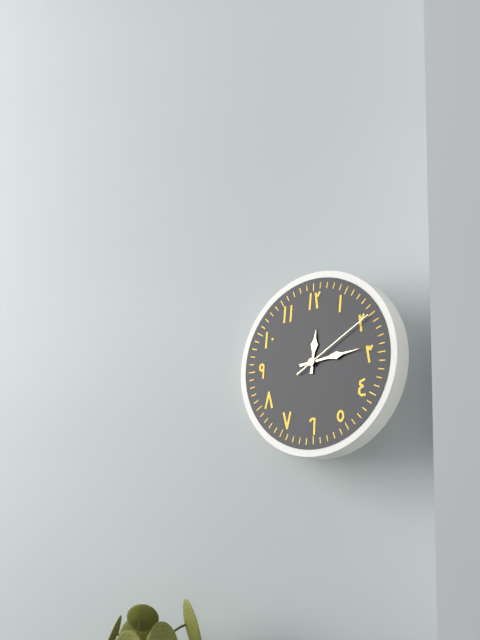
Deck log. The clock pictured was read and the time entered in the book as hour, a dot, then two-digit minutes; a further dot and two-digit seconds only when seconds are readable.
12.14.10
